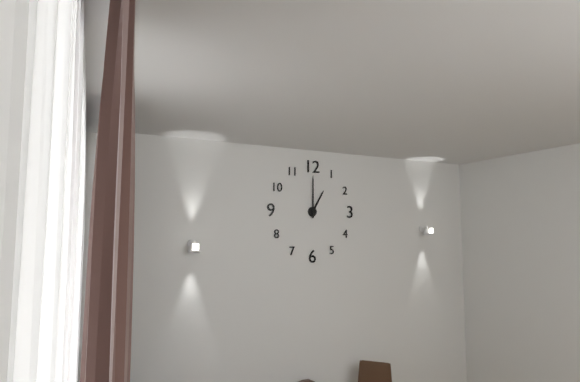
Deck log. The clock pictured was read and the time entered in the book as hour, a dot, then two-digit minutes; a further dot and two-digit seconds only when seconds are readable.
1.00
